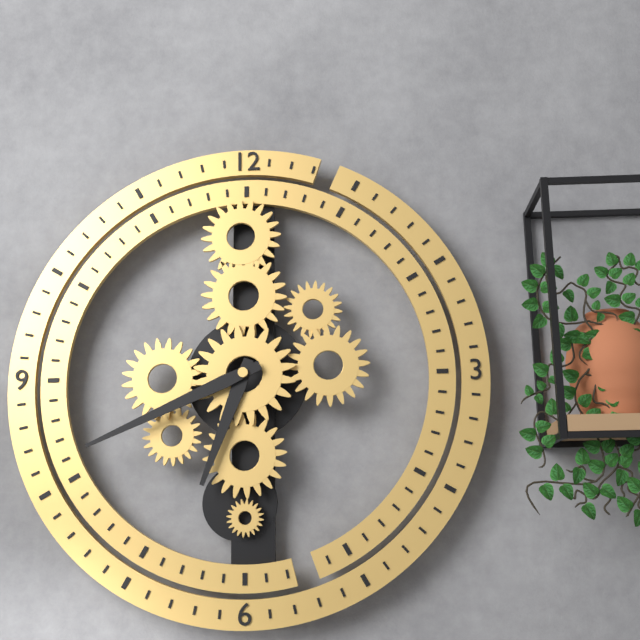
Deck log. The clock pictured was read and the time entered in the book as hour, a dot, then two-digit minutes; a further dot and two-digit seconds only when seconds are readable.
6.41
